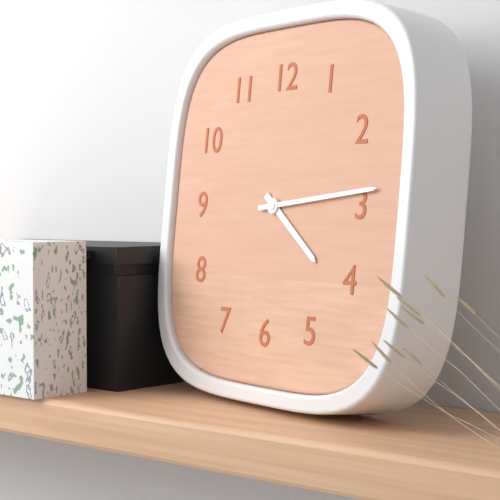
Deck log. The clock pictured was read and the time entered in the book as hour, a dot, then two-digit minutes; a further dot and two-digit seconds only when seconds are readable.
4.14
